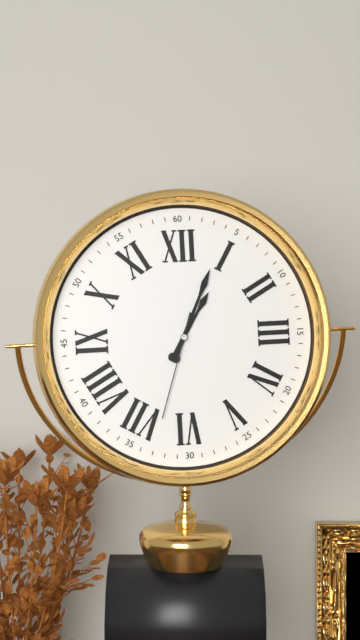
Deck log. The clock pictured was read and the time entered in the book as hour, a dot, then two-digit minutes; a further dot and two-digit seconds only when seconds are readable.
1.04.33
